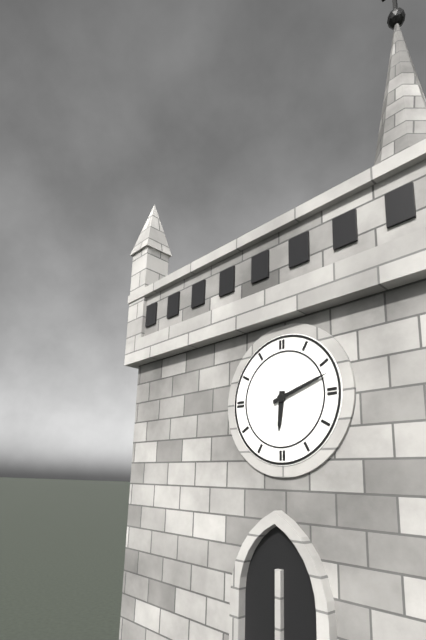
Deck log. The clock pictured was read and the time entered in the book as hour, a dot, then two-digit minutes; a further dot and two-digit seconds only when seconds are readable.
6.12
